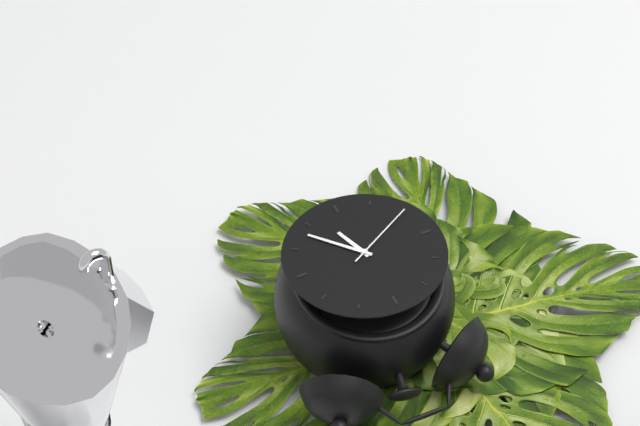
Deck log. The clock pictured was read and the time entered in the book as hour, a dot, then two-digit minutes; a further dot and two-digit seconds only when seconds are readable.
5.23.40
